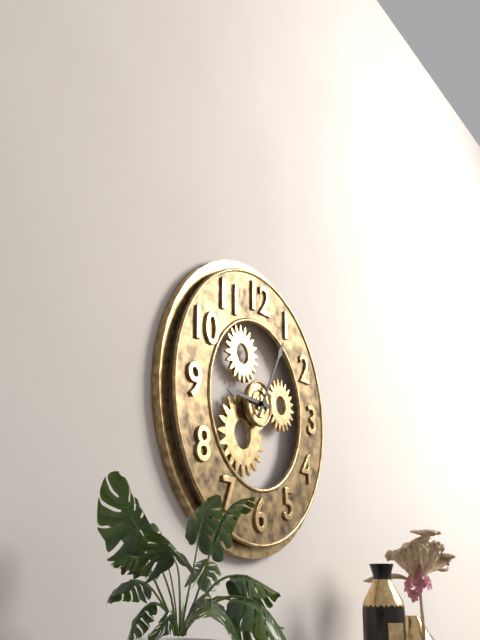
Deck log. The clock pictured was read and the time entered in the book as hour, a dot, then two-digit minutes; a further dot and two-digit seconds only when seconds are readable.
9.05
